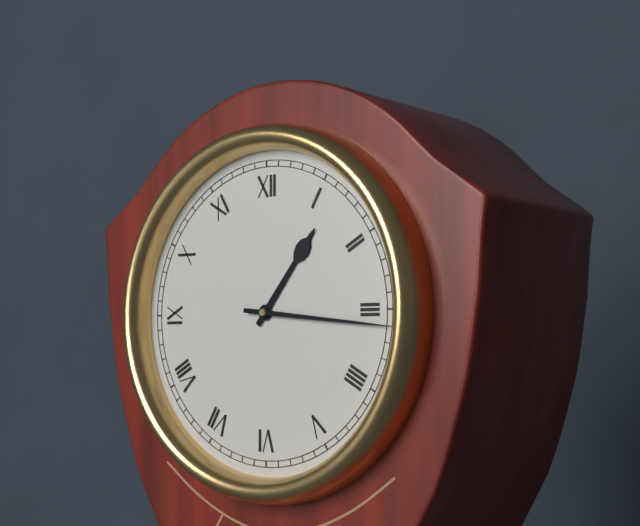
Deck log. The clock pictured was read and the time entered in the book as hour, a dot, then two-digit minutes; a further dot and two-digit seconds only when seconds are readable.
1.16
